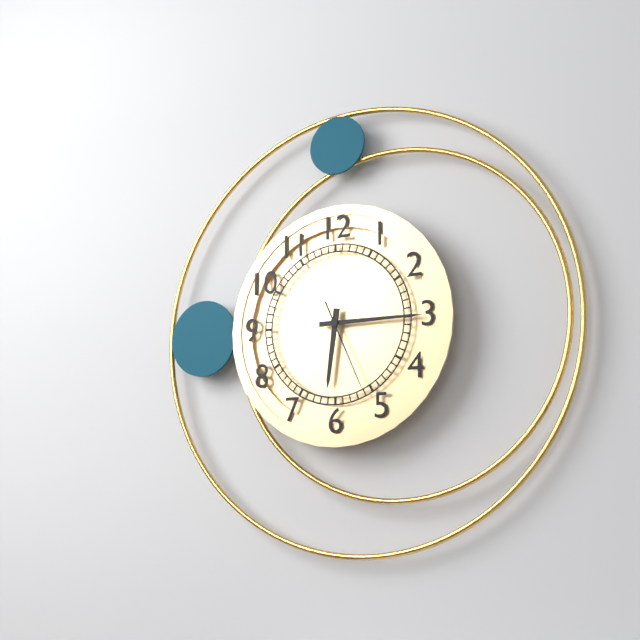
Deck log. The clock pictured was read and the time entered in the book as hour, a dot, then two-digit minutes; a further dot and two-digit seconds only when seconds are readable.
6.15.26
